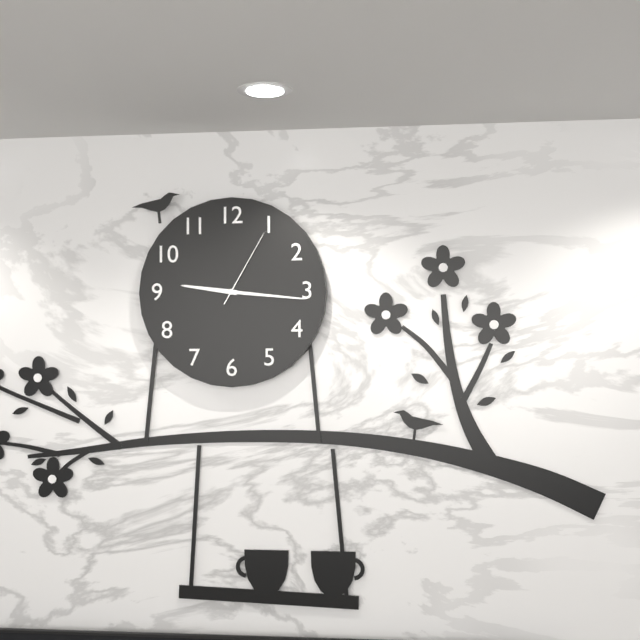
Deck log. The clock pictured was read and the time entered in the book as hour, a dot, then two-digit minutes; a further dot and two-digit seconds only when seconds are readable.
9.16.05
